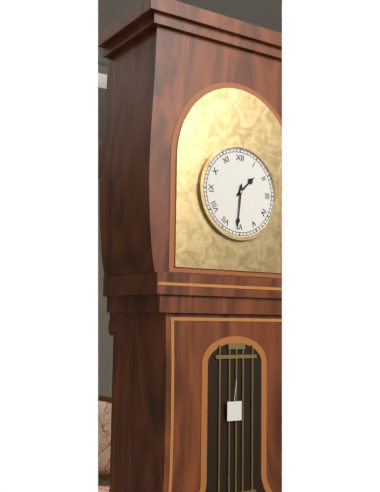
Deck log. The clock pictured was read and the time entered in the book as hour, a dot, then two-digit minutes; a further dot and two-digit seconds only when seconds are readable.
1.31
